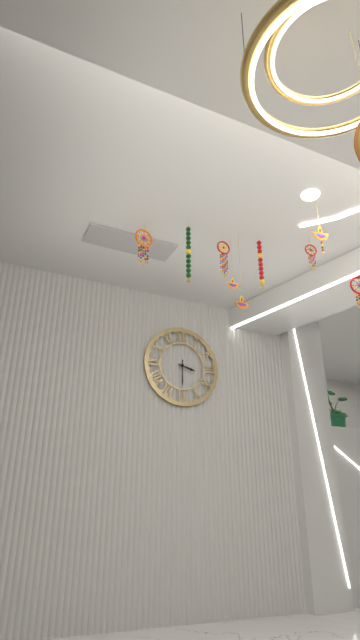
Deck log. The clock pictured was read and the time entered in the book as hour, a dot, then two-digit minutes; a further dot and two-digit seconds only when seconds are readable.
3.30
